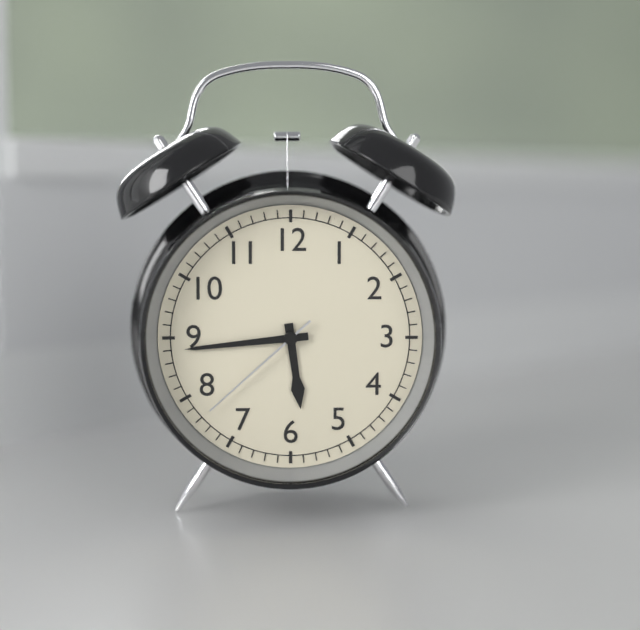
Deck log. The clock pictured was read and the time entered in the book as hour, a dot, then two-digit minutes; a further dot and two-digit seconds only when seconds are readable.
5.44.38
